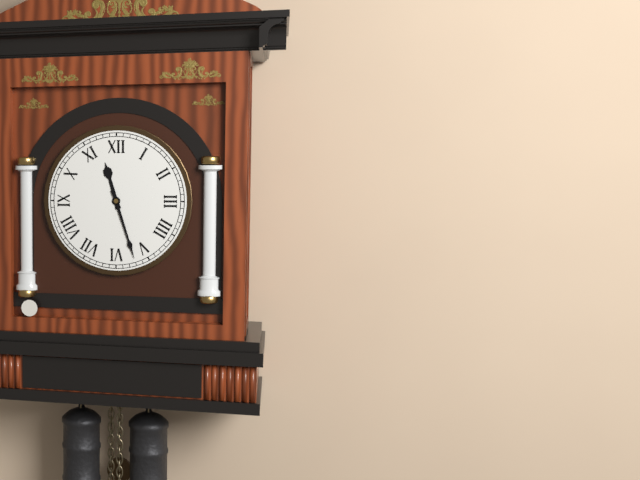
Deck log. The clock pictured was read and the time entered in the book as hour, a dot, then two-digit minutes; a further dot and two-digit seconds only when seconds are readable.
11.27
